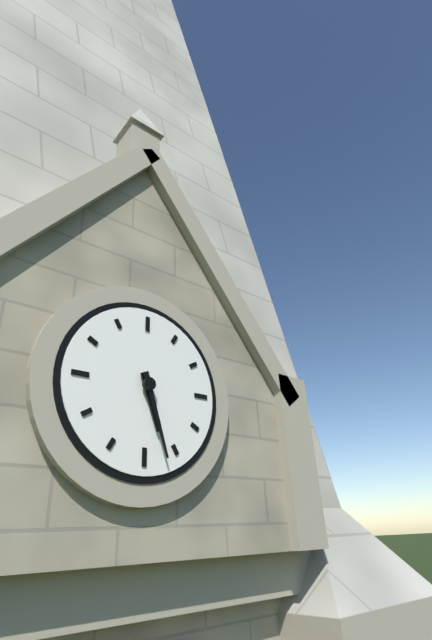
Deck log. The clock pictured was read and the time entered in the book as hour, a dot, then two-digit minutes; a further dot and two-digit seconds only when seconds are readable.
5.27
